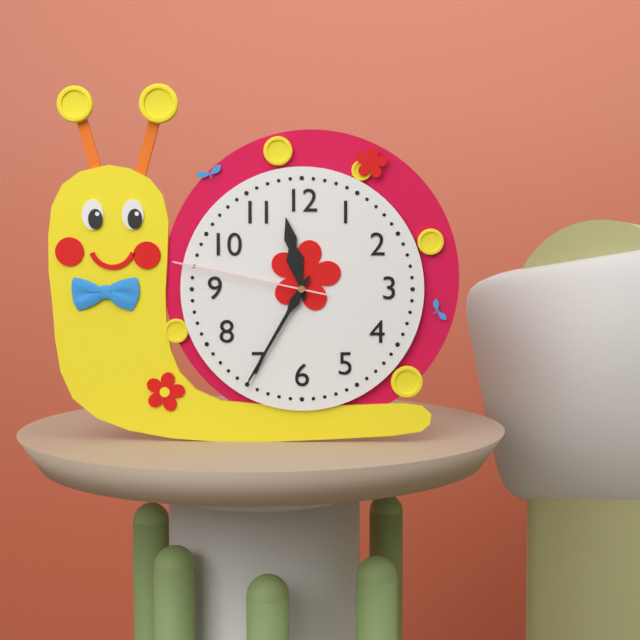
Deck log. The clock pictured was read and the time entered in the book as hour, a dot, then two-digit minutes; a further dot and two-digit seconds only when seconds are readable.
11.35.47
